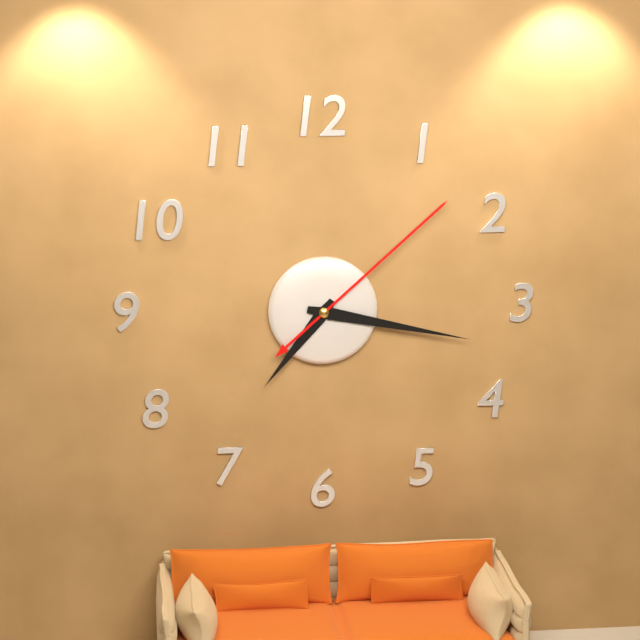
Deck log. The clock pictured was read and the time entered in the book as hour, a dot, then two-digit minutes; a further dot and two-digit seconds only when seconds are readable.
7.17.08
